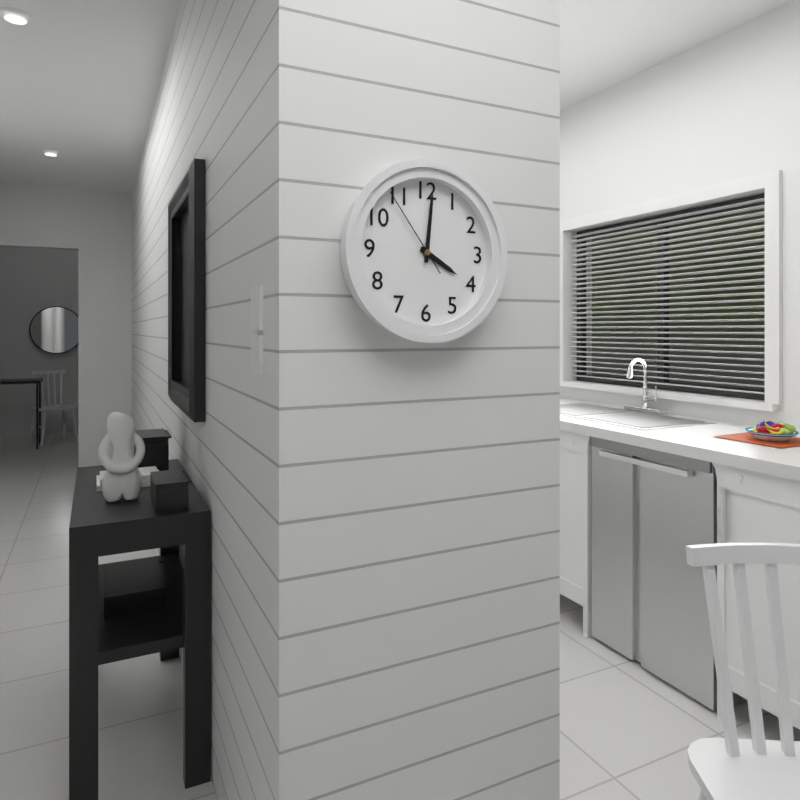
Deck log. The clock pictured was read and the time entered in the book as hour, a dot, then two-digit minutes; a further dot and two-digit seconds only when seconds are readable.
4.01.54
